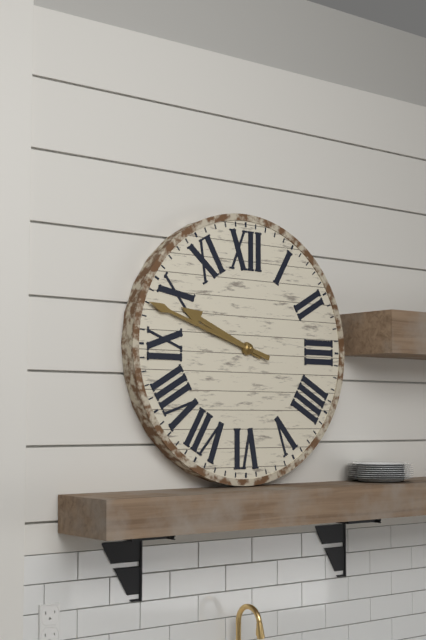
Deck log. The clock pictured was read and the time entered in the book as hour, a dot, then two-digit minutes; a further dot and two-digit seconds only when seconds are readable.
9.48
